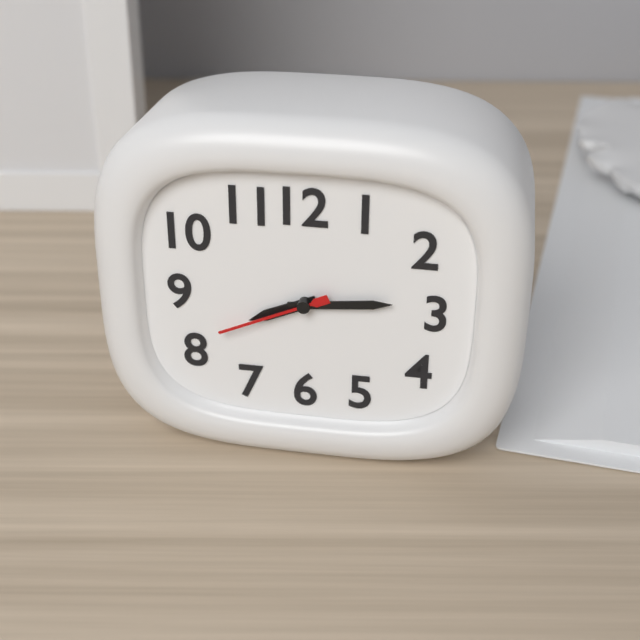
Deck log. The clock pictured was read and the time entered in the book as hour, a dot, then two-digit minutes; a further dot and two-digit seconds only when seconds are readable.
8.14.41
